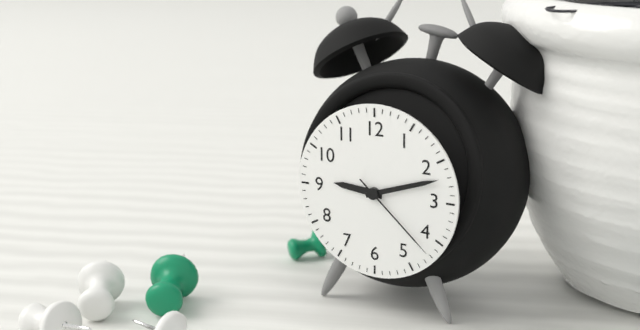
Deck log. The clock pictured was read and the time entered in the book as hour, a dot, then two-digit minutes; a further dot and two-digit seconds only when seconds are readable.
9.12.22
